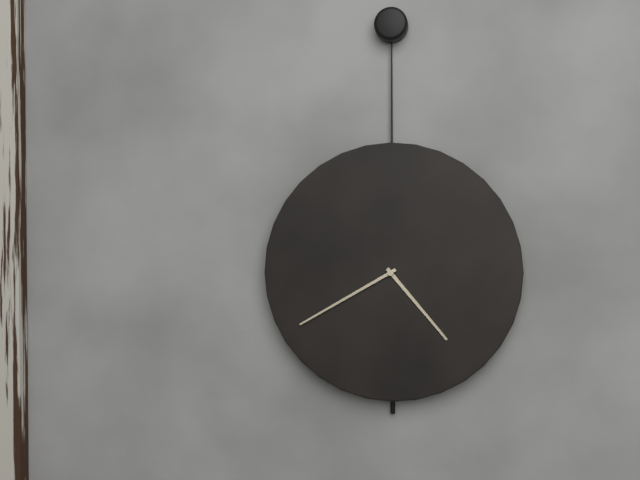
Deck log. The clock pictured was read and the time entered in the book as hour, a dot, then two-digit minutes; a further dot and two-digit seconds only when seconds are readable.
4.40
